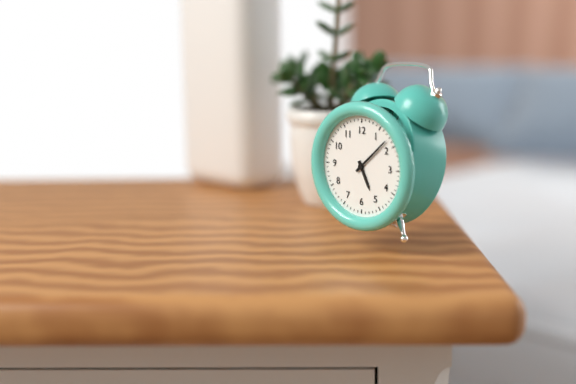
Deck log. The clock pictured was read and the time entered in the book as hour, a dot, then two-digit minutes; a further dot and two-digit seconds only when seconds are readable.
5.08
